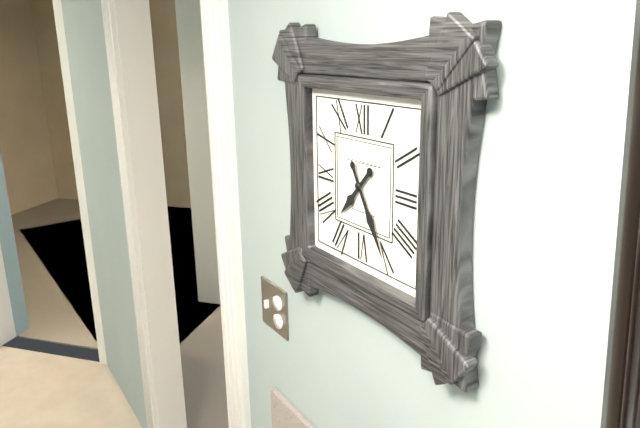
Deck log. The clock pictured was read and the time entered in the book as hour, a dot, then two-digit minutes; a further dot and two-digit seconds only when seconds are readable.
7.25
